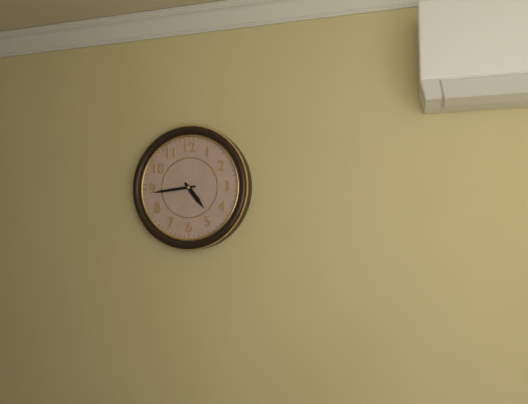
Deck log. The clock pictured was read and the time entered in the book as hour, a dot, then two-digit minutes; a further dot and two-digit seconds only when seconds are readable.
4.44
